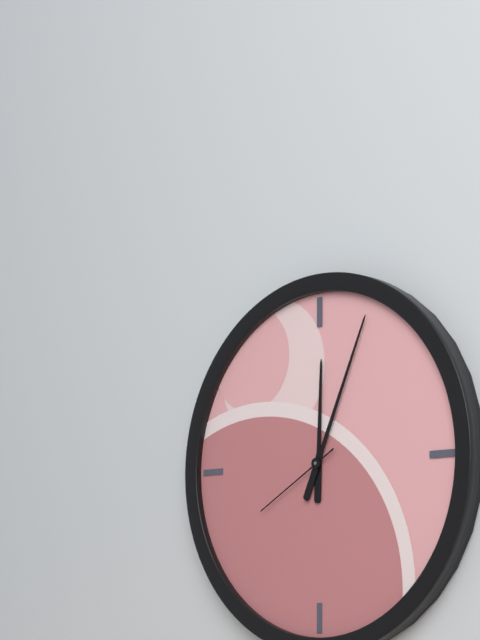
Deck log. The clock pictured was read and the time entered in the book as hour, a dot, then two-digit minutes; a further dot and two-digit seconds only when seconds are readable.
12.04.40
